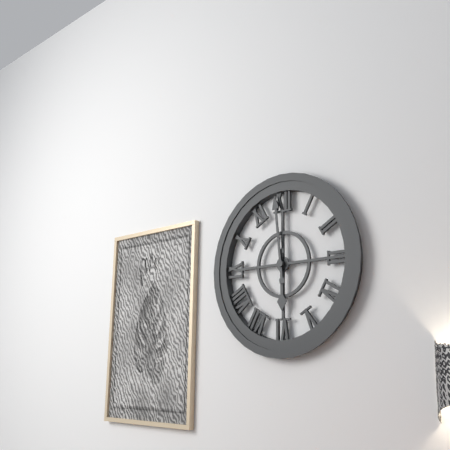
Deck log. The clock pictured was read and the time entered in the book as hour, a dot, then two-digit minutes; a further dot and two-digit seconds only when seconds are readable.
5.59
